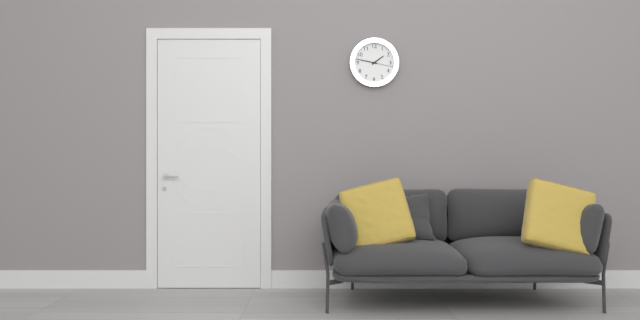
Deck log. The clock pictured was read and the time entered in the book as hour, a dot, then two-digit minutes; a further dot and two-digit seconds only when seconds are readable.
1.47
